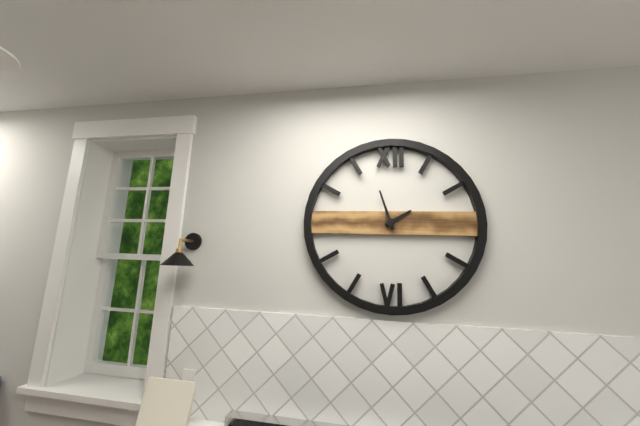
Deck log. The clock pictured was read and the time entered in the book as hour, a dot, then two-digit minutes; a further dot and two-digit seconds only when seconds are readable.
1.57
